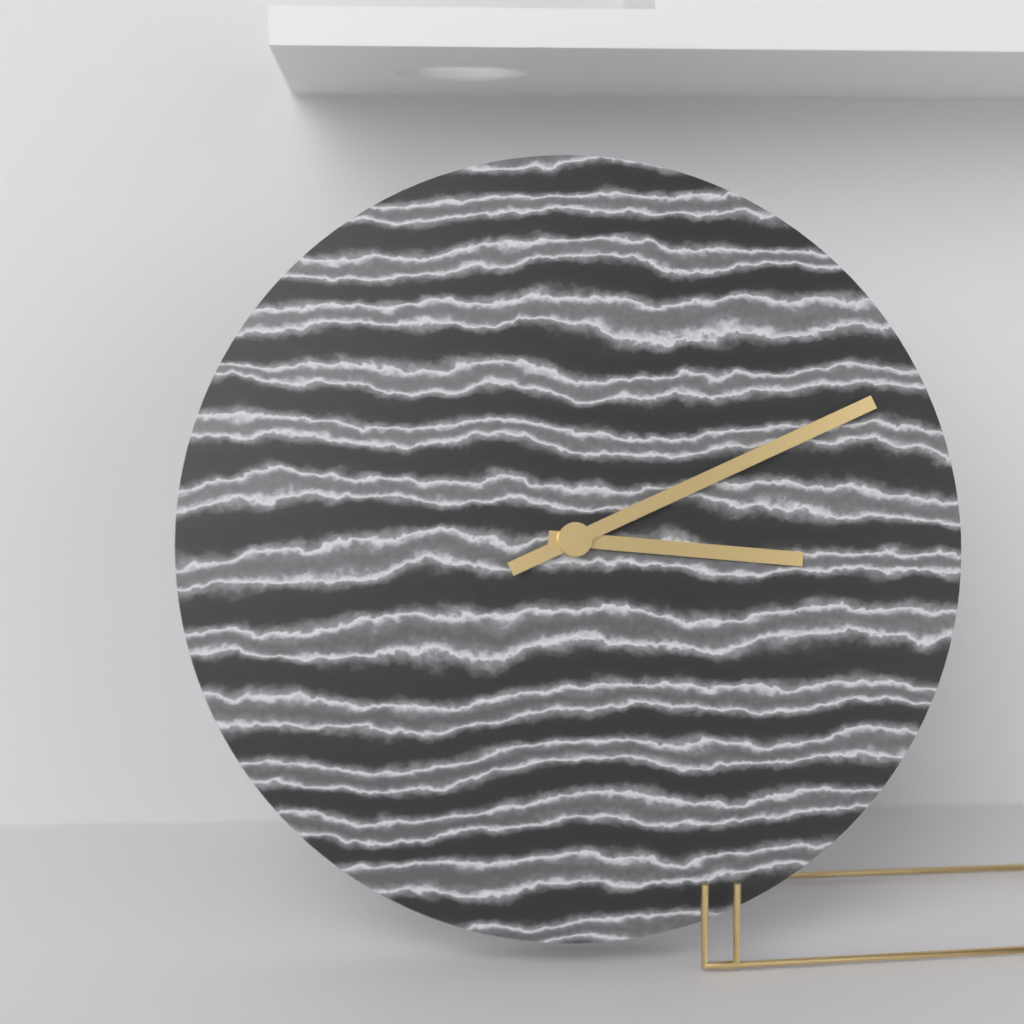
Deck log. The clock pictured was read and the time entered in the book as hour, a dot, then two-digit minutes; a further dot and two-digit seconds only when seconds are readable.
3.11
